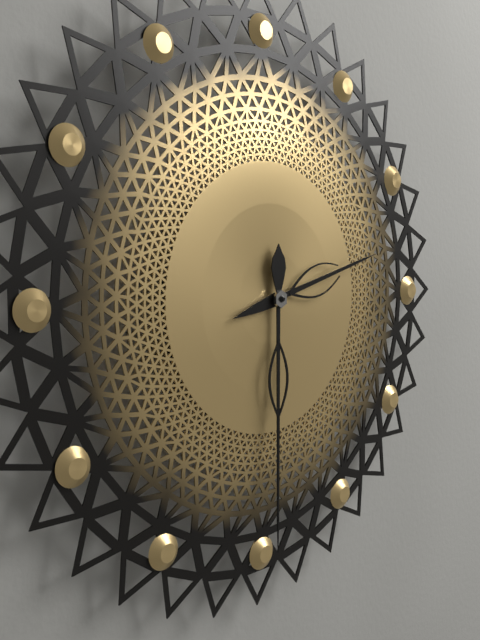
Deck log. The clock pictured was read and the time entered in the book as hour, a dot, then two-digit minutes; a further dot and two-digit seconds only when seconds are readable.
2.30
